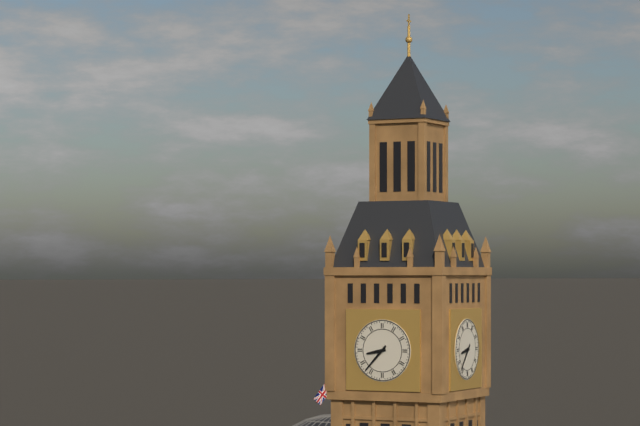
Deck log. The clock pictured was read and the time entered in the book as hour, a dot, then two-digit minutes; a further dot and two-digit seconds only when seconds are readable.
8.37
